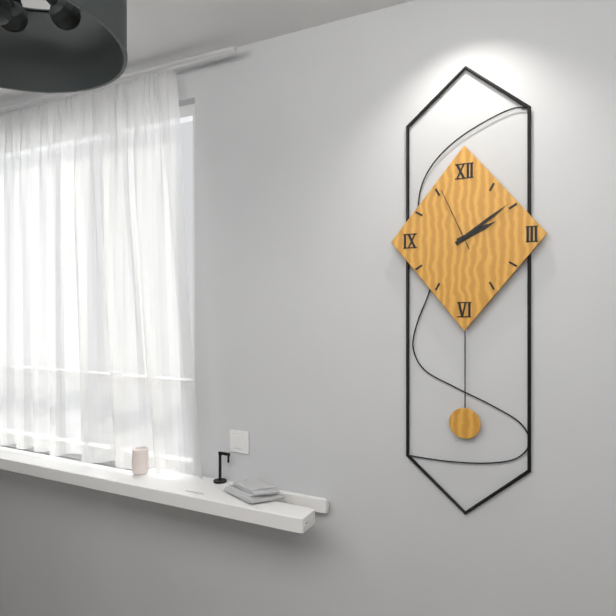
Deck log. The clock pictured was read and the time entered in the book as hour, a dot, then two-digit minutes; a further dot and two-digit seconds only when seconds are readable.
2.09.56
